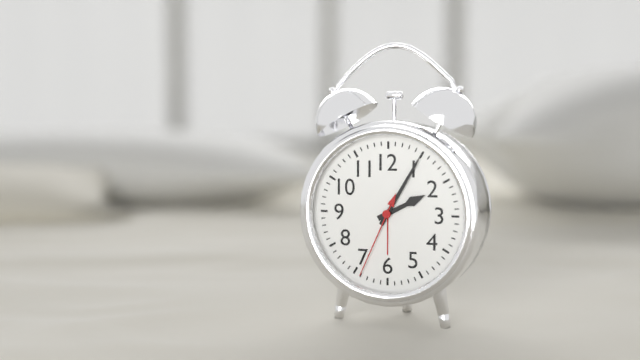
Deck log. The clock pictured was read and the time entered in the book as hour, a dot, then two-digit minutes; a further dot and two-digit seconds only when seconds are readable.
2.05.34
